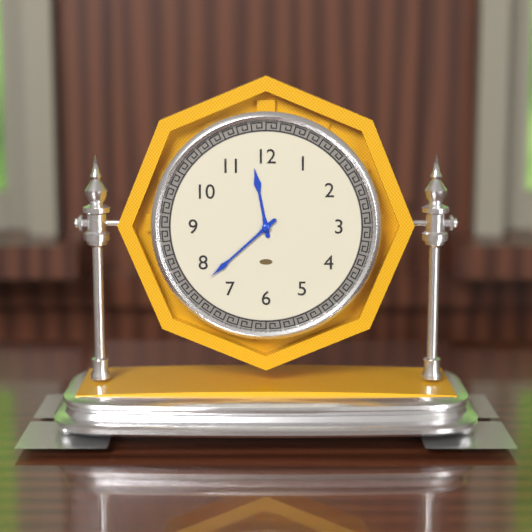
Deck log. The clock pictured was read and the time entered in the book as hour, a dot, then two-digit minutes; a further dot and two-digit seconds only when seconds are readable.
11.38
